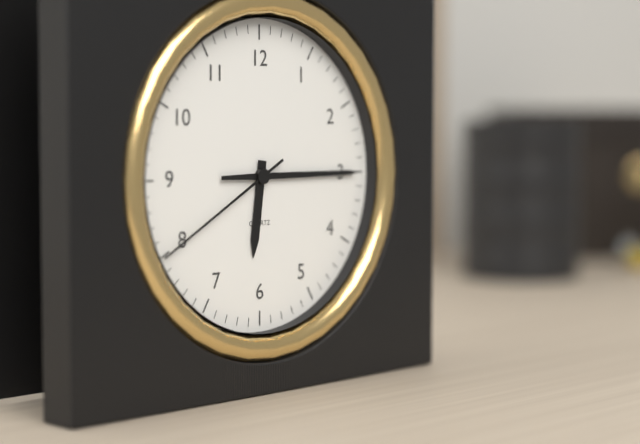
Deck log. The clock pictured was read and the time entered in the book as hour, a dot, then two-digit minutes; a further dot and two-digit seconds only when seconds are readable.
6.15.40
